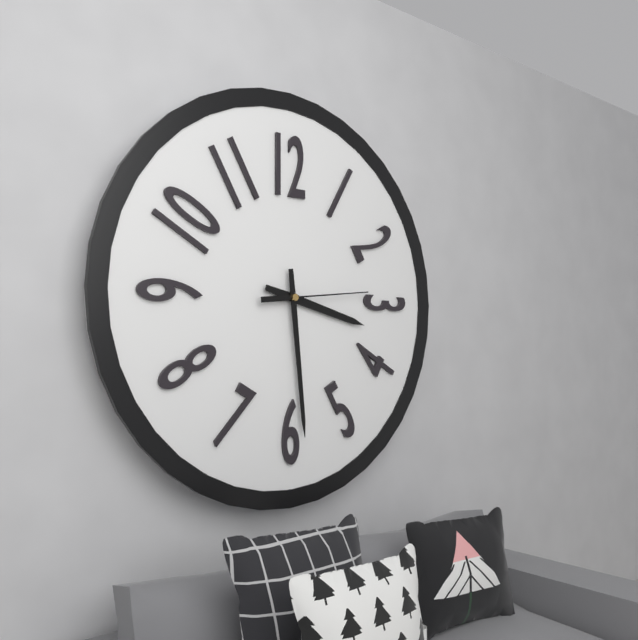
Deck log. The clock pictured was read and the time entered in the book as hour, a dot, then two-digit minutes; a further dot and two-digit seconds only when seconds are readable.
3.29.14
